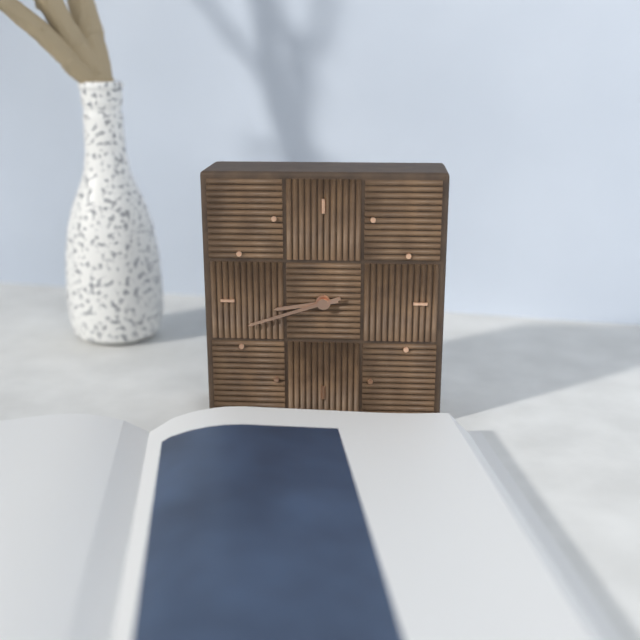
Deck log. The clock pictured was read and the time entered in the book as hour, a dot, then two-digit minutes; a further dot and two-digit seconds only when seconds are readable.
8.42
